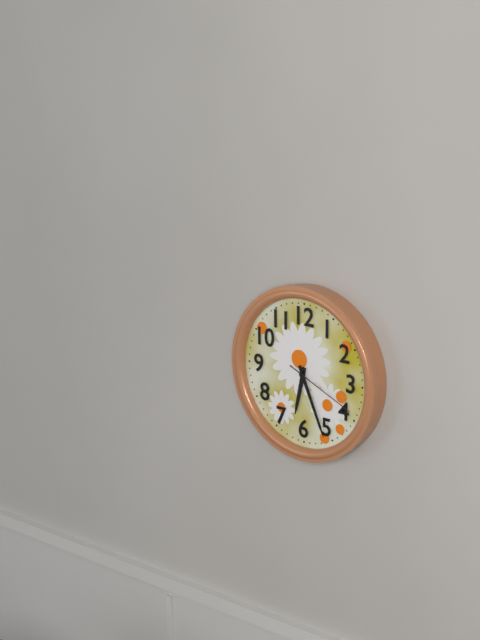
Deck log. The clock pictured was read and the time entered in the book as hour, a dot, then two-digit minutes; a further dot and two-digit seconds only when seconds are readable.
6.26.19
